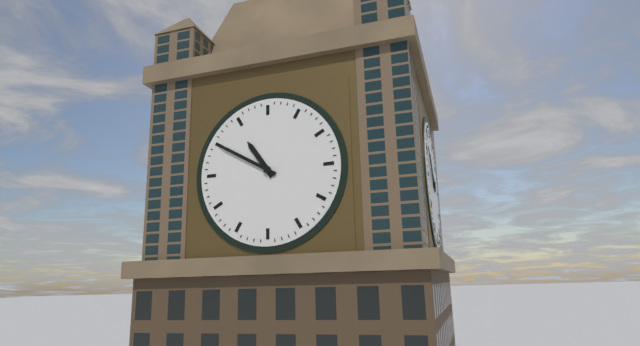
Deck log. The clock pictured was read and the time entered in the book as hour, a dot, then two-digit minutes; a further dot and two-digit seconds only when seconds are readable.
10.50
